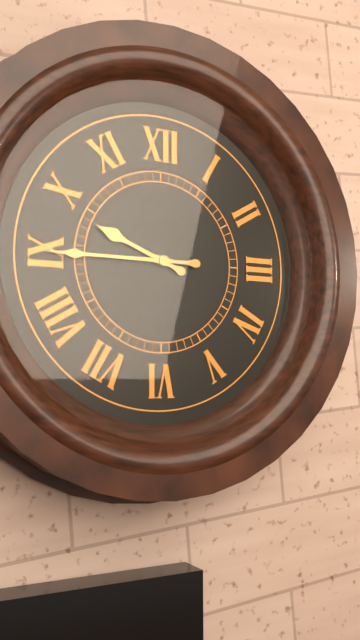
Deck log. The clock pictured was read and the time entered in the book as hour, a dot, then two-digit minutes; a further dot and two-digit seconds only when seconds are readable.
9.45
